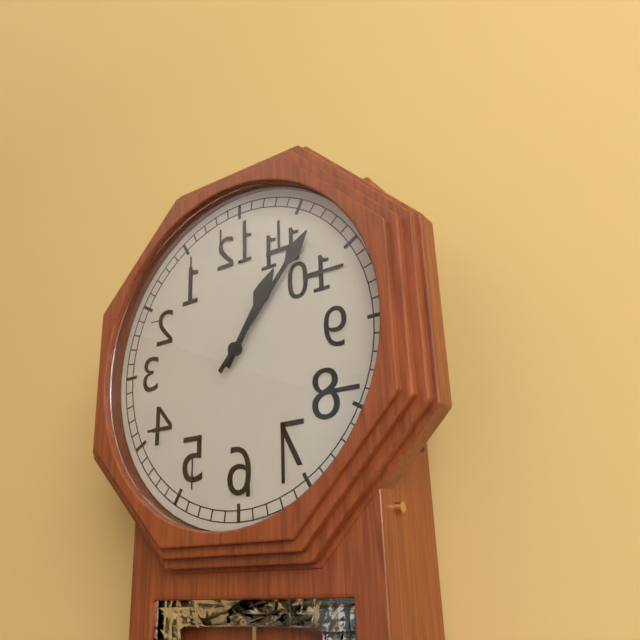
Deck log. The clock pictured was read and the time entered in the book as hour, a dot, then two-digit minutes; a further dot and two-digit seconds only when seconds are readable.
1.07
